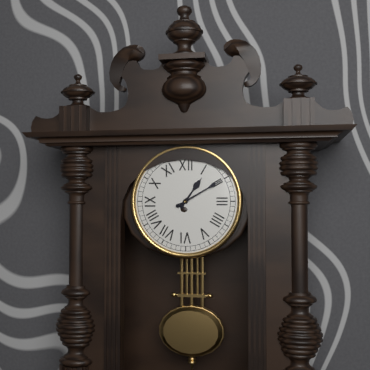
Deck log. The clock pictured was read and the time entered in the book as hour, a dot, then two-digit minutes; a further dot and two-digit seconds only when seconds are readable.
1.10
